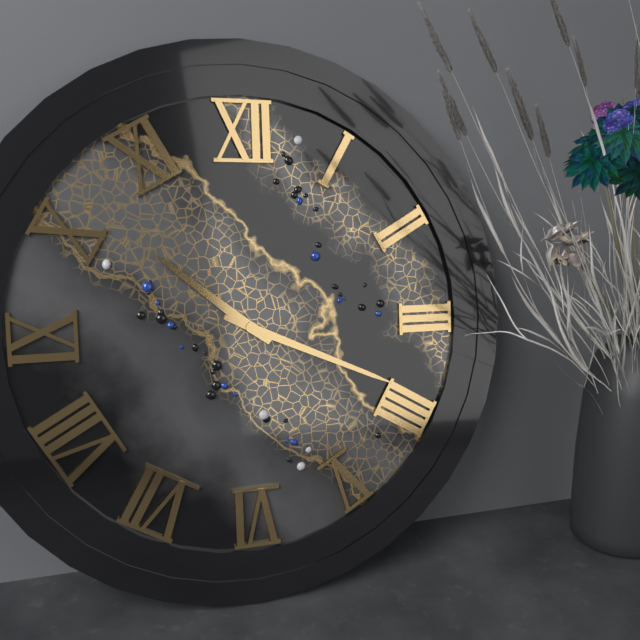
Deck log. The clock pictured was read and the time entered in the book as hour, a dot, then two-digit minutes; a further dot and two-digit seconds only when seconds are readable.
10.19
